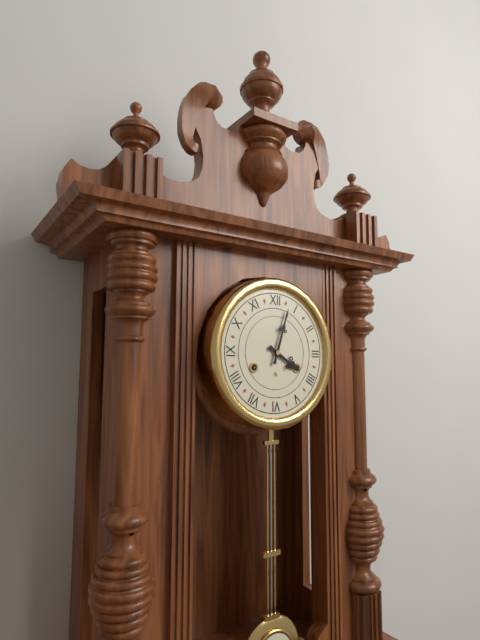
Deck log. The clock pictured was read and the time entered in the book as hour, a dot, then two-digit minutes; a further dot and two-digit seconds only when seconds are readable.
4.03
